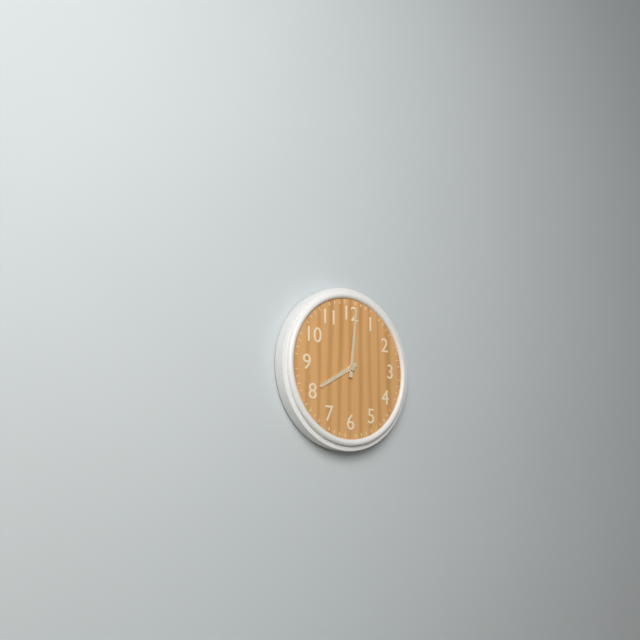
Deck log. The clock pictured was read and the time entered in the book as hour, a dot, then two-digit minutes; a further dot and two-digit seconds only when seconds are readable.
8.01
